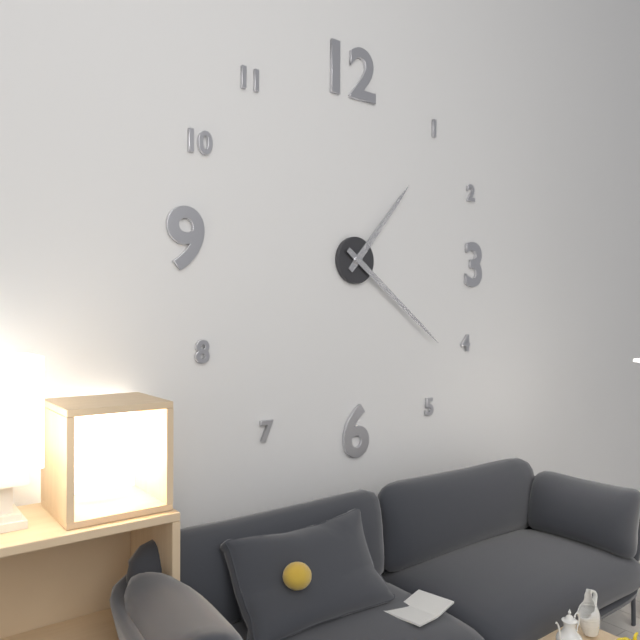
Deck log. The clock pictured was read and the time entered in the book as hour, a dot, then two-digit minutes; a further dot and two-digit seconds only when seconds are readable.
1.21
